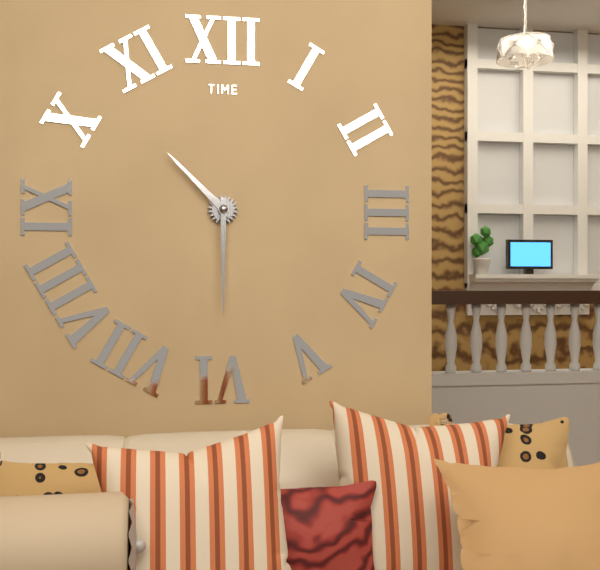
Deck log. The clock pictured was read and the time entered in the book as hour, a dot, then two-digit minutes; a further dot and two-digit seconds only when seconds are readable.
10.30
